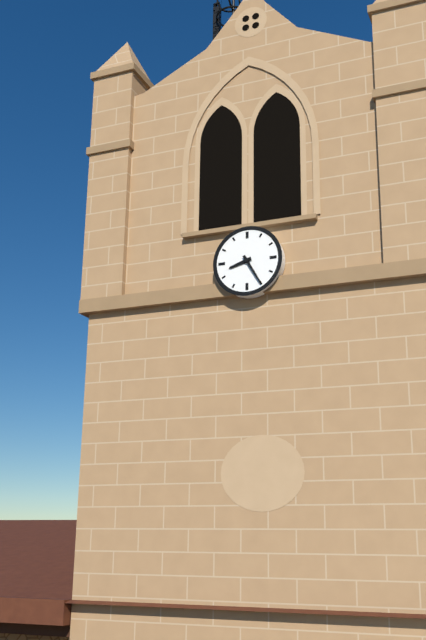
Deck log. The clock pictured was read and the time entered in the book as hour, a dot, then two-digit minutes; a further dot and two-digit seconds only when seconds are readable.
8.25
